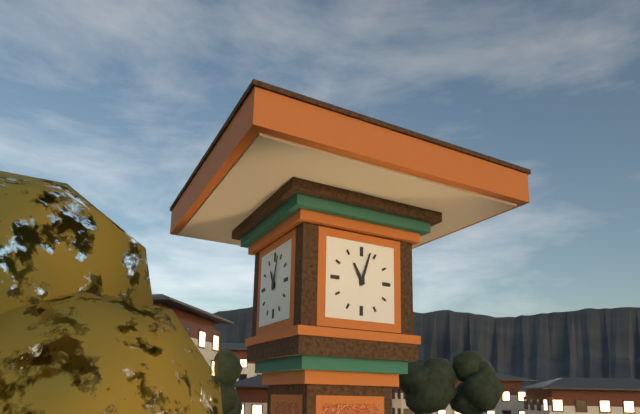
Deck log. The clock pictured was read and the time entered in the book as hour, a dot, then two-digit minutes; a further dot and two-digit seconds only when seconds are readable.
11.03
